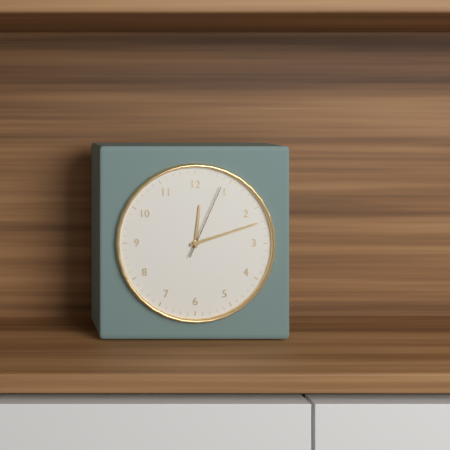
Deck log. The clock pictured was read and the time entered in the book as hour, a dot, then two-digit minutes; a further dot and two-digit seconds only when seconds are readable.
12.12.04
